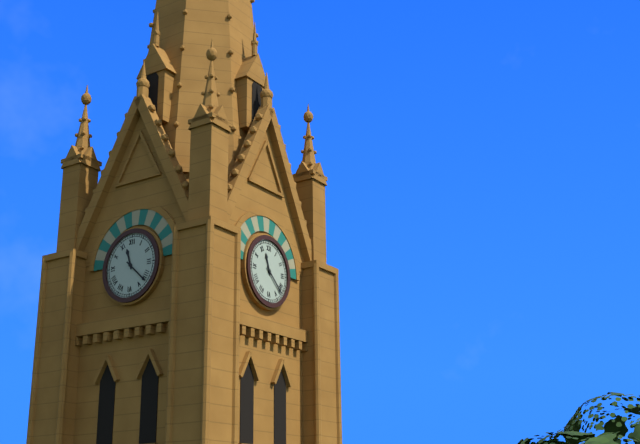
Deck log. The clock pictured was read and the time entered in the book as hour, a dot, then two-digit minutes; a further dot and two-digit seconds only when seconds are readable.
11.22
